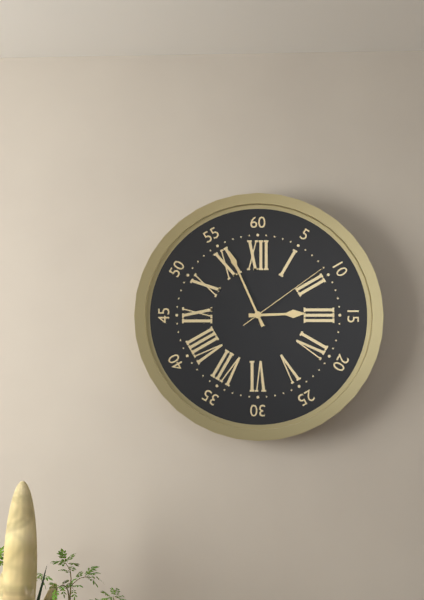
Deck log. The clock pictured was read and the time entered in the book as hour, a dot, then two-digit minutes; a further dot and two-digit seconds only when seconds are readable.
2.56.09
